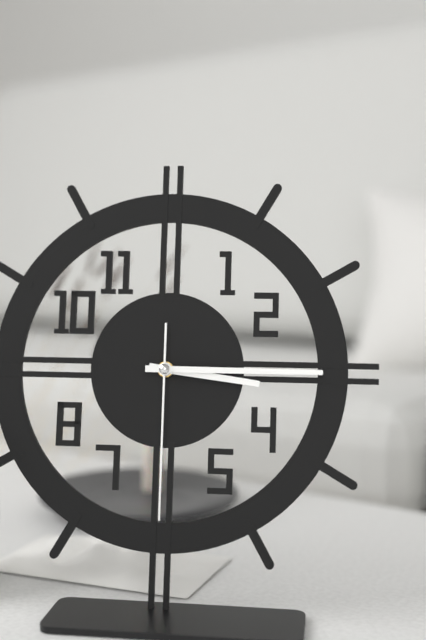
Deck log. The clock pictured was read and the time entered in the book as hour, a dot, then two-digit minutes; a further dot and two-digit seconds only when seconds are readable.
3.15.30
